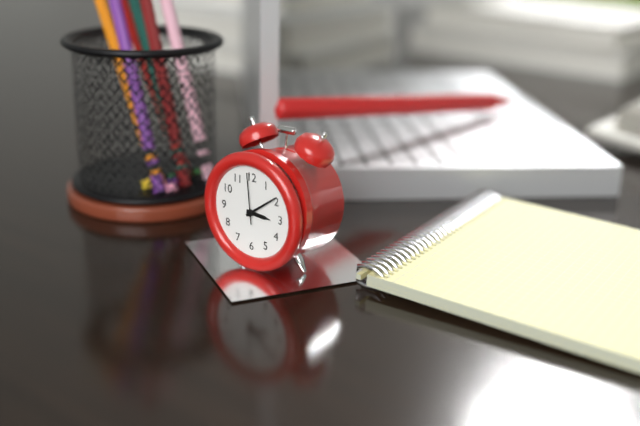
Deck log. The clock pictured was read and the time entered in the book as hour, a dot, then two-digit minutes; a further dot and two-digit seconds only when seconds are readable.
3.09.59
